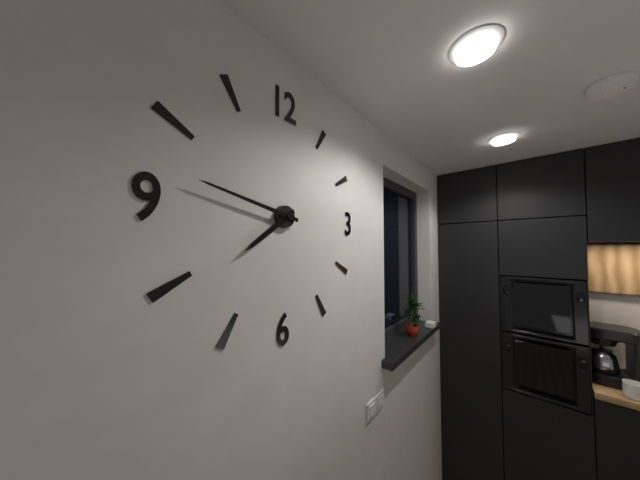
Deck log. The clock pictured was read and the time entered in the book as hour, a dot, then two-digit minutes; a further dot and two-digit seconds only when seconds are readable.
7.47
